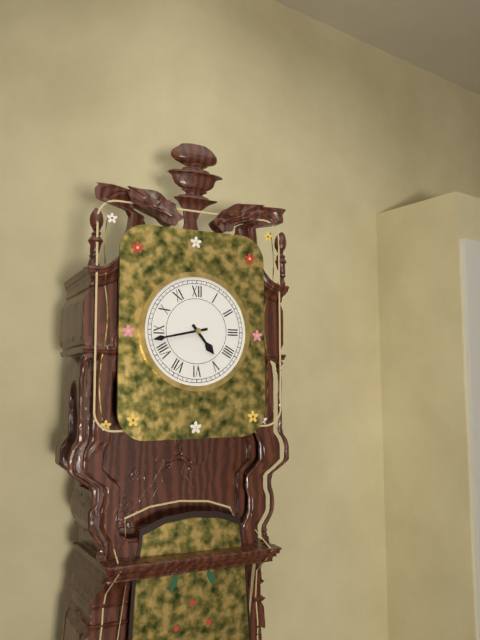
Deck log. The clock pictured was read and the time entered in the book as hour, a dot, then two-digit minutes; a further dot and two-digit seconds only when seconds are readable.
4.43
